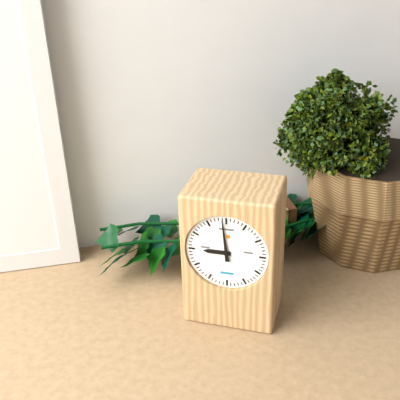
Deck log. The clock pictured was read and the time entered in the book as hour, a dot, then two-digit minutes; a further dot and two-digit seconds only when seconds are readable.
8.59
